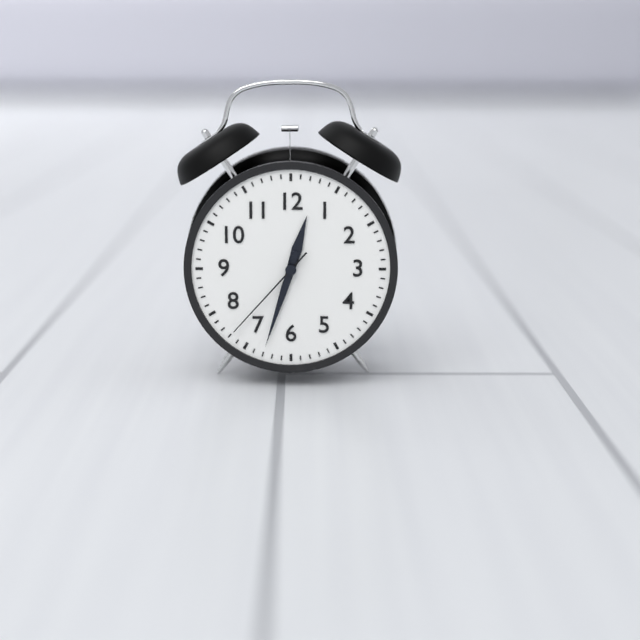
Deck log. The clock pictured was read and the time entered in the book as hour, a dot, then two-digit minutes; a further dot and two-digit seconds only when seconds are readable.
12.33.37
